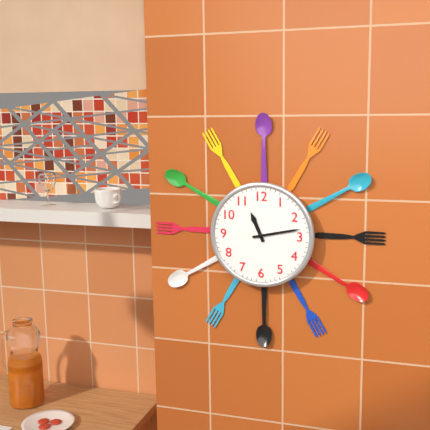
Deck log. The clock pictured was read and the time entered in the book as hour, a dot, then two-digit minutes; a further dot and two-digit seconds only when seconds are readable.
11.13
